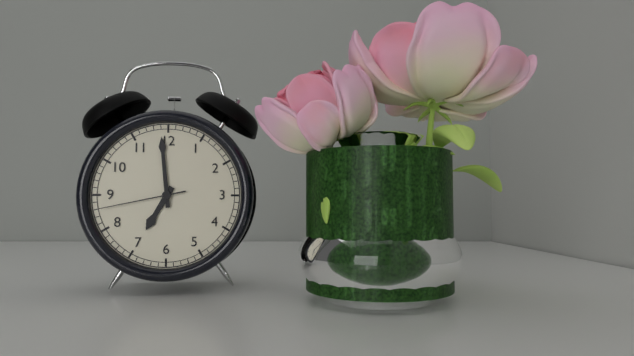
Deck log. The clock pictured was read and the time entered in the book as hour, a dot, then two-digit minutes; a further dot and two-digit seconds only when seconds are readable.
6.59.43
